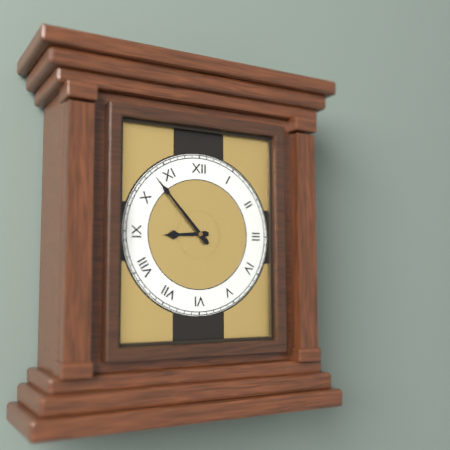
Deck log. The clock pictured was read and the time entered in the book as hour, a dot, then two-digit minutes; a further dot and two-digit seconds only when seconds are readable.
8.53
